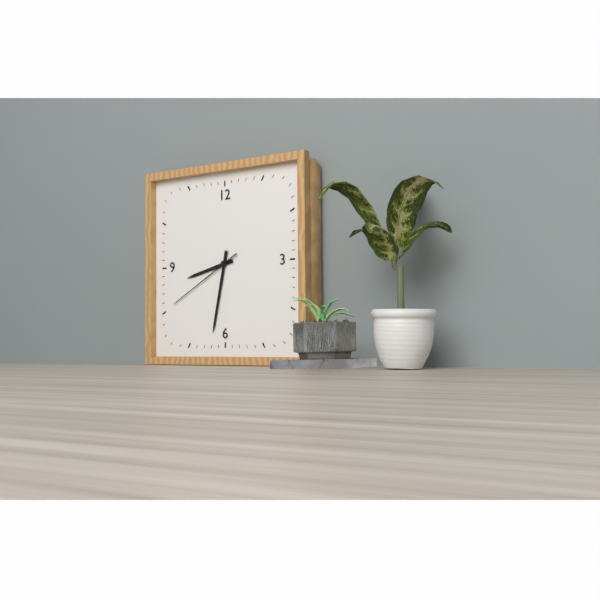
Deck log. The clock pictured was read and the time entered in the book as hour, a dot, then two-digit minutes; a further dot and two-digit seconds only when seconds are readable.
8.32.40
